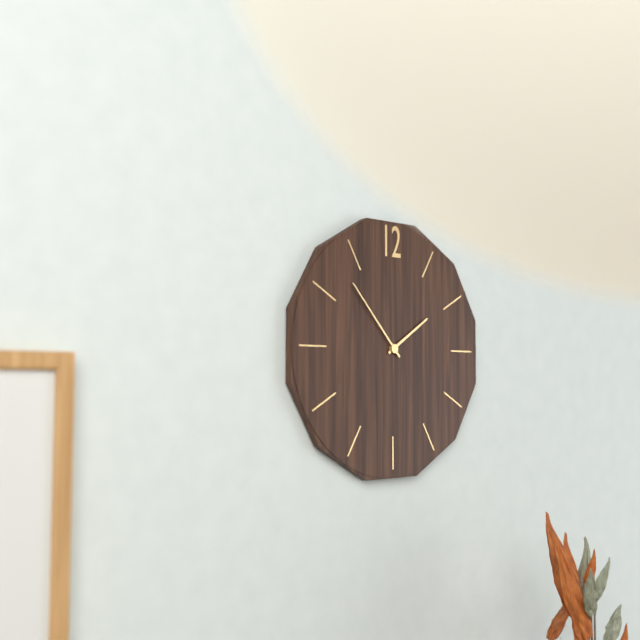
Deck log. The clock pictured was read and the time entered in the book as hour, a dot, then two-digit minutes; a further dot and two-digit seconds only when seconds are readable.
1.53
